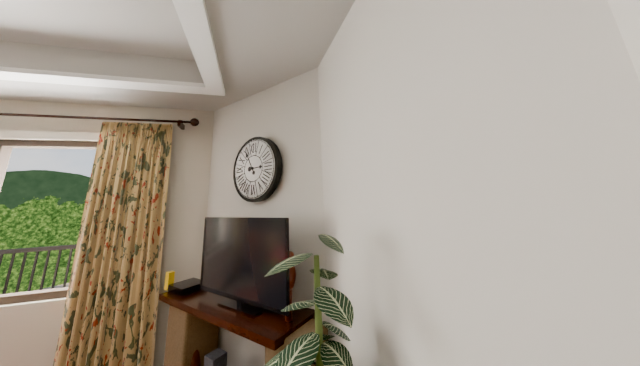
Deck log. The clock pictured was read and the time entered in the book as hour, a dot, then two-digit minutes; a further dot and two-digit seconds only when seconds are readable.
2.55
